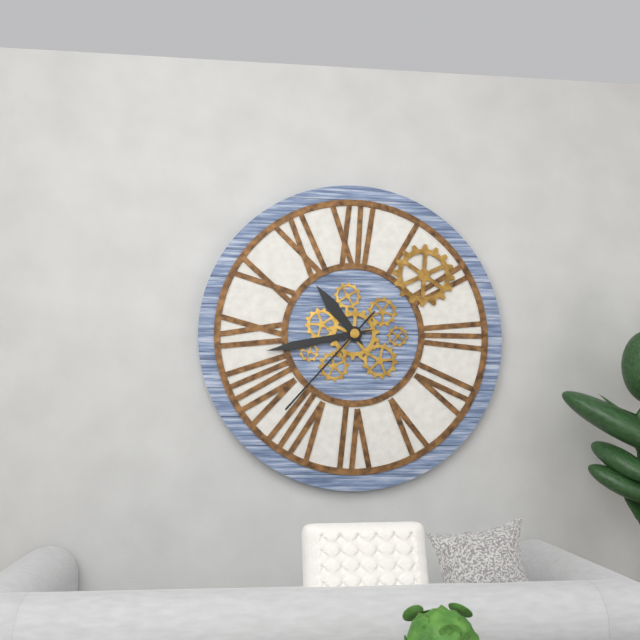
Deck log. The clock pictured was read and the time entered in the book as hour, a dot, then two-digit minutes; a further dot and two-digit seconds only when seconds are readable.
10.43.37
